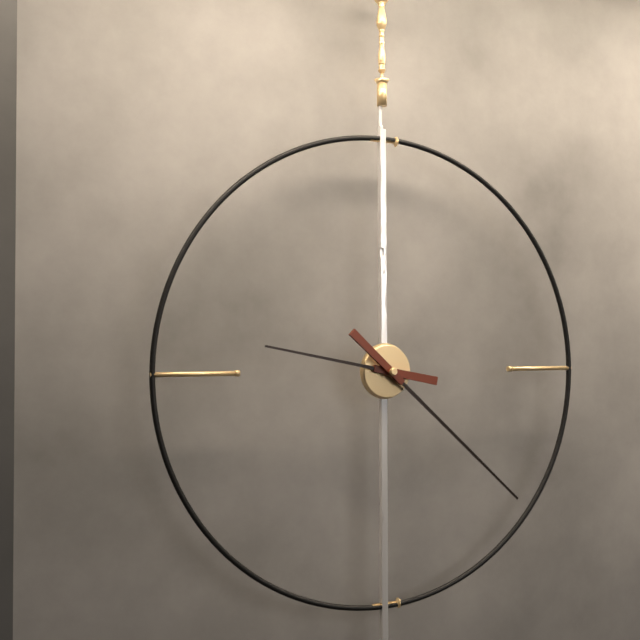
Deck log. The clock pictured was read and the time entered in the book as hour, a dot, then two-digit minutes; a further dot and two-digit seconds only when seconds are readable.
9.22
